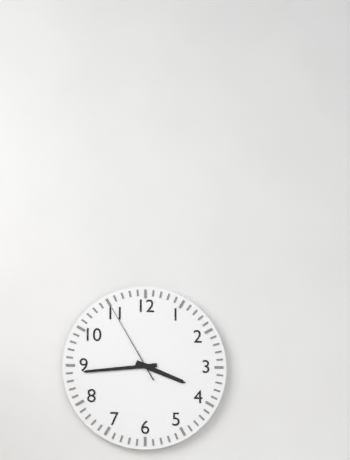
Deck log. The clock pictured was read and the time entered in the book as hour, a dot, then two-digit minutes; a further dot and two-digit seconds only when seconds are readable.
3.44.55
